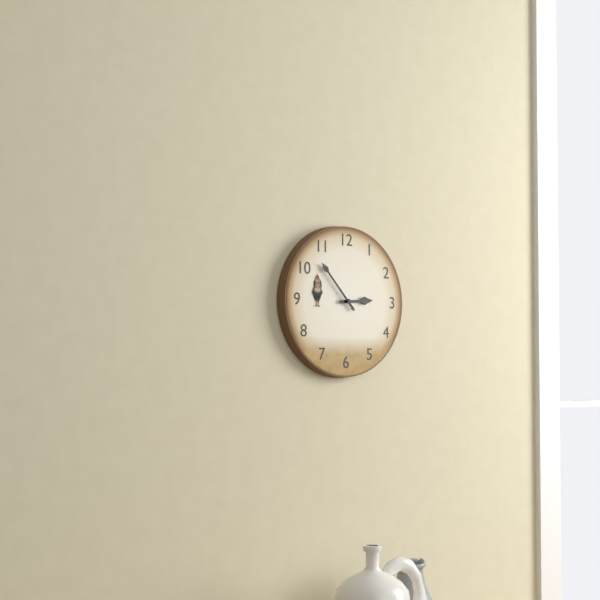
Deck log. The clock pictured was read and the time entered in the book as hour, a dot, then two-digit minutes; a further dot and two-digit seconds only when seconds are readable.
2.53
